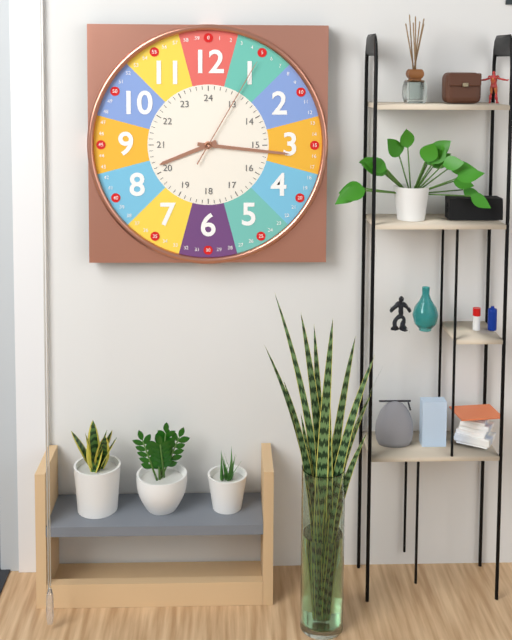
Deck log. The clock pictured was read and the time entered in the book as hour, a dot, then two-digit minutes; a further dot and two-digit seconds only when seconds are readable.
8.16.05
